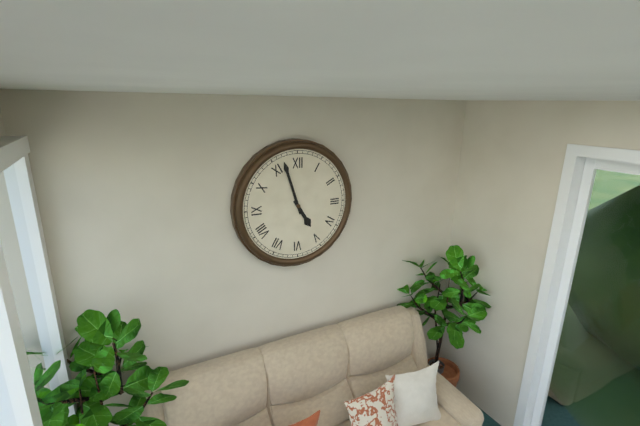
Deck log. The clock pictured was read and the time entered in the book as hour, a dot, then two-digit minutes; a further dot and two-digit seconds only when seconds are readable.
4.57
